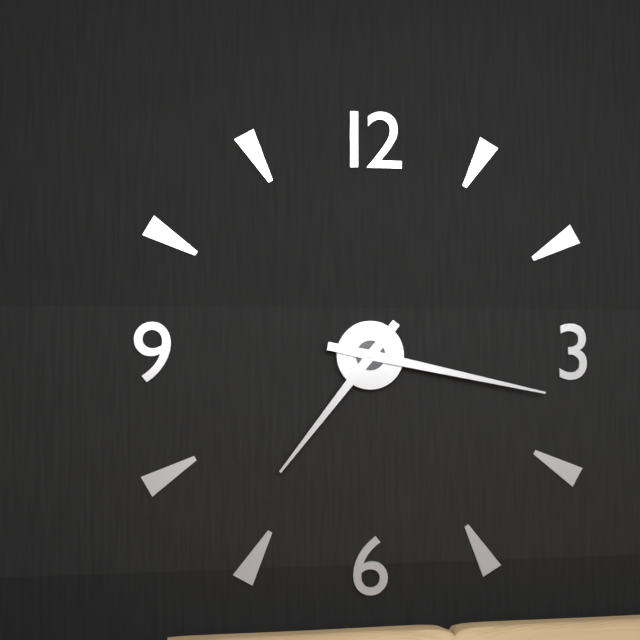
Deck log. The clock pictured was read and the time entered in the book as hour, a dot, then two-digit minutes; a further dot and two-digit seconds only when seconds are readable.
7.17
